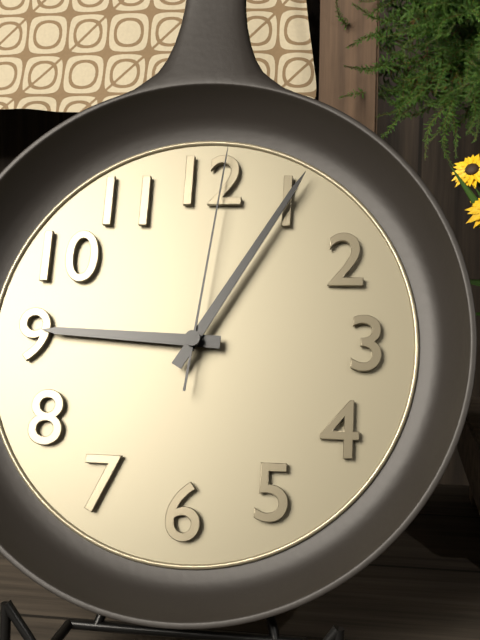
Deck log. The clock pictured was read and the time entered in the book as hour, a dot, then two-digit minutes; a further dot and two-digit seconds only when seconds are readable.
9.05.01
